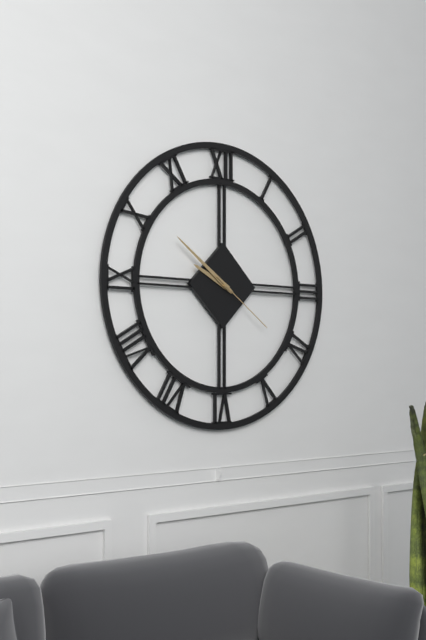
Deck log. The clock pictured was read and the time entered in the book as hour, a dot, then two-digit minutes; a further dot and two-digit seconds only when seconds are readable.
9.51.21
